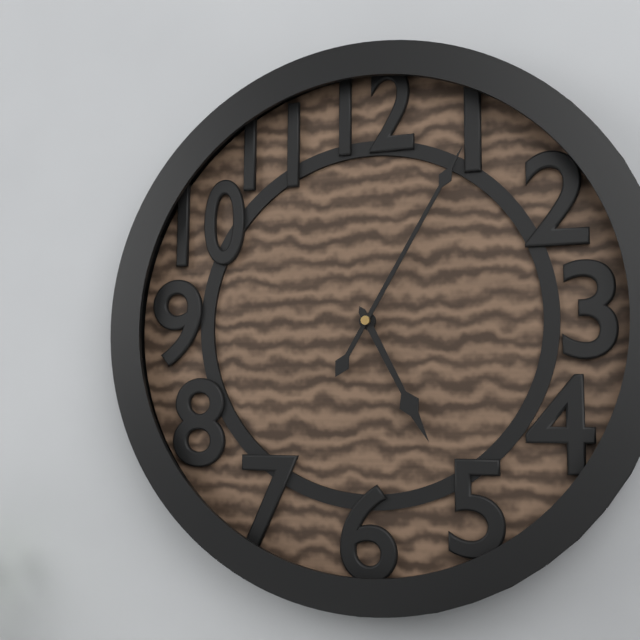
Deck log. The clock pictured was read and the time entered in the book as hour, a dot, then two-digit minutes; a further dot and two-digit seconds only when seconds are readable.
5.05
